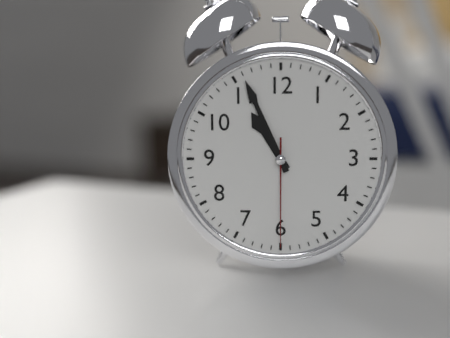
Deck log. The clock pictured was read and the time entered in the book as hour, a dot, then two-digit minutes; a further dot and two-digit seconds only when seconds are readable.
10.56.30
